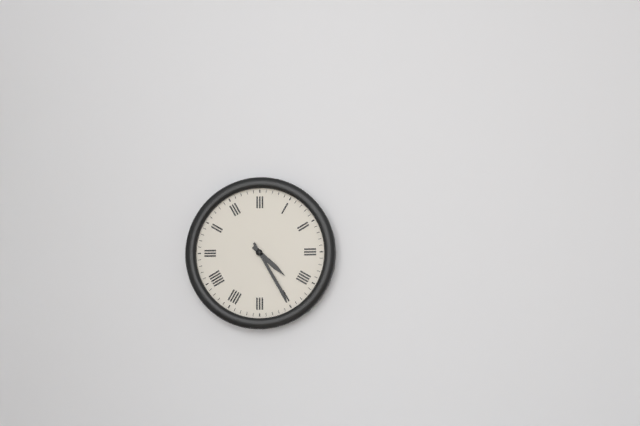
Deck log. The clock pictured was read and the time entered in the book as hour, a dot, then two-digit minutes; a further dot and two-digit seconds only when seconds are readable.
4.25
